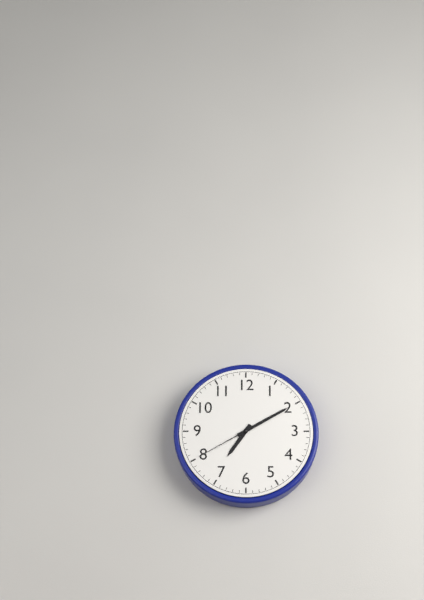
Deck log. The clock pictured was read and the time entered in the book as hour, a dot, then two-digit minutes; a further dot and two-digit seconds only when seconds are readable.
7.10.40
